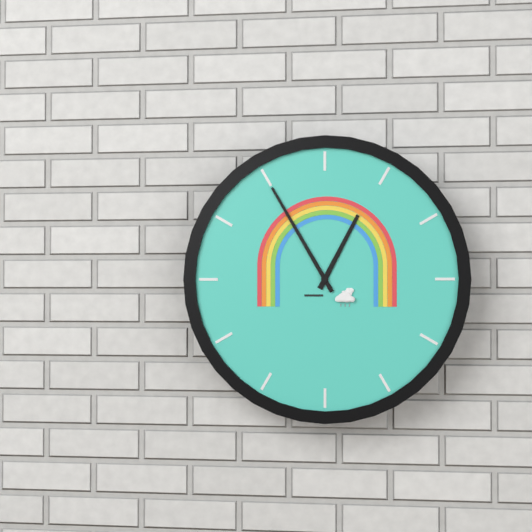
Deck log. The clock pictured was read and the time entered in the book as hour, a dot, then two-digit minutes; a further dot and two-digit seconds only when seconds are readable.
12.55
